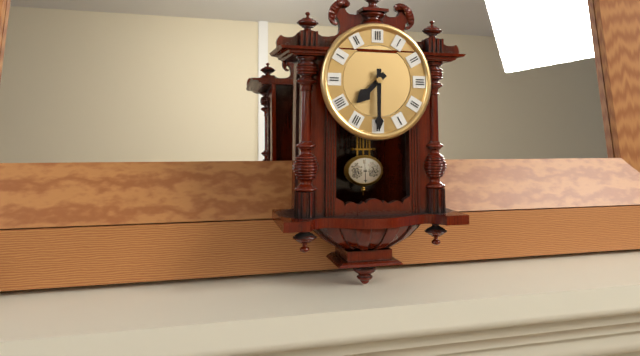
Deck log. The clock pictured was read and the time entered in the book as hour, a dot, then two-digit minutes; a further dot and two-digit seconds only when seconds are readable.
7.30
